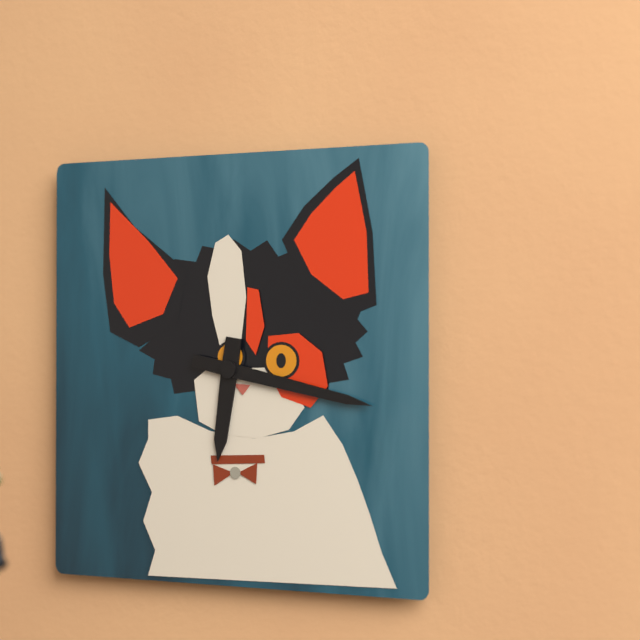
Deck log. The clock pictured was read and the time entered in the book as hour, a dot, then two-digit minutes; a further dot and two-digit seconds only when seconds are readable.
6.17
